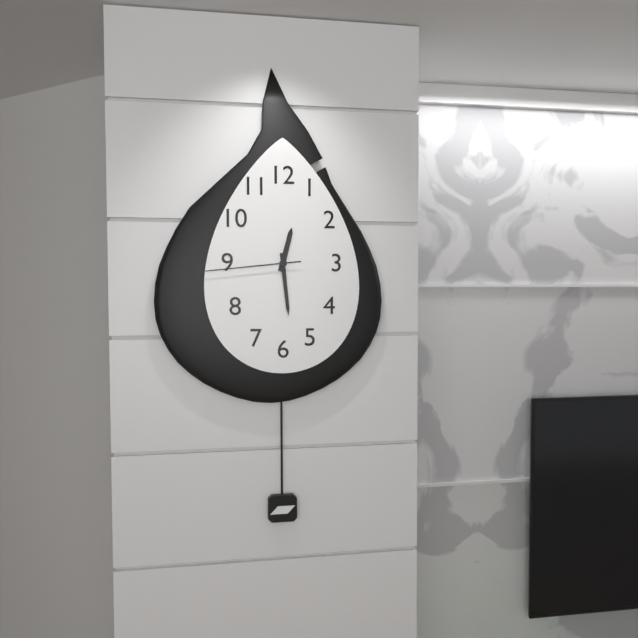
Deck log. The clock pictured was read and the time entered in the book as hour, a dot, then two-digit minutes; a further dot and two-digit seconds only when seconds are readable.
12.29.44
